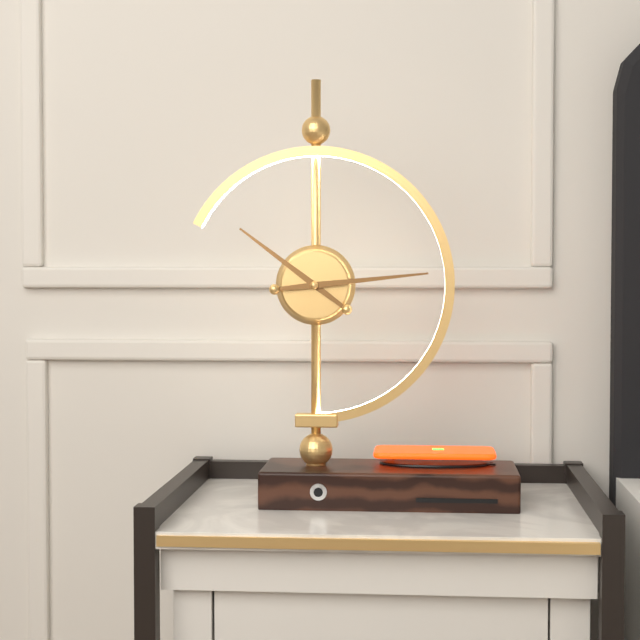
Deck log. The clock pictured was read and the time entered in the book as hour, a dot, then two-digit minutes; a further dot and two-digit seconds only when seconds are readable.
10.14
